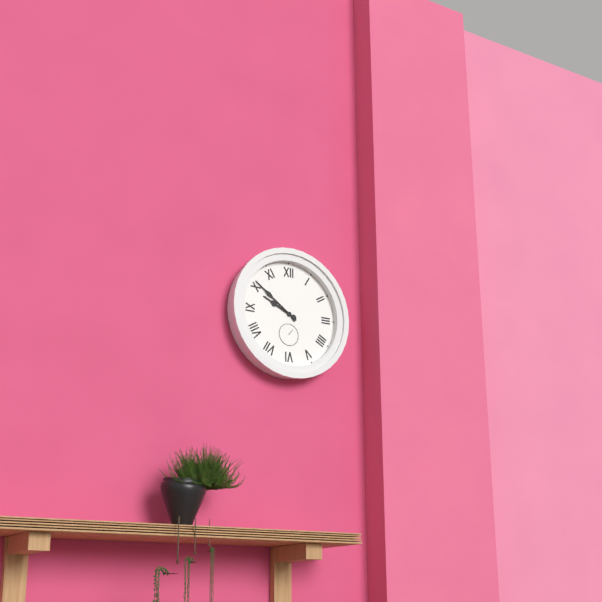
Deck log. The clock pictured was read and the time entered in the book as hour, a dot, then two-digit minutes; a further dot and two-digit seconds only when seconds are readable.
9.51
